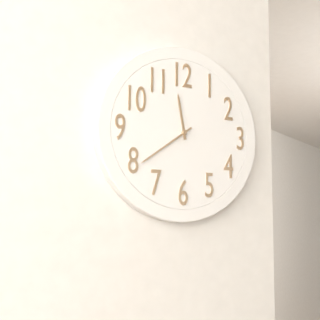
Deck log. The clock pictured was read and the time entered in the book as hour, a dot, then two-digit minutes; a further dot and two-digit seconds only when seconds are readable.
11.39
